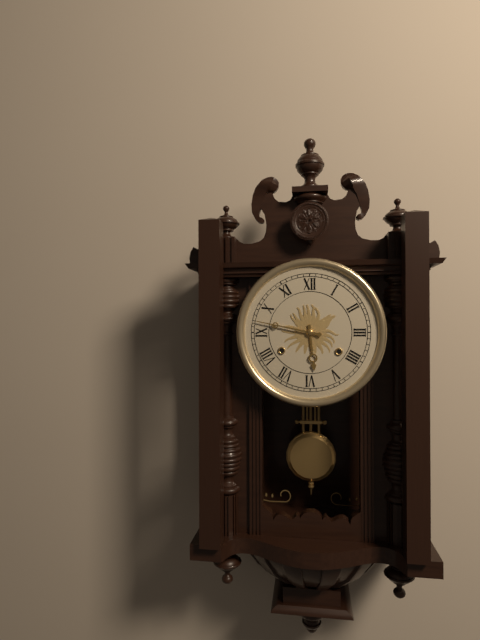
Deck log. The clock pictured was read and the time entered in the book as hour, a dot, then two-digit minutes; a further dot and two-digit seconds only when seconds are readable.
5.47
